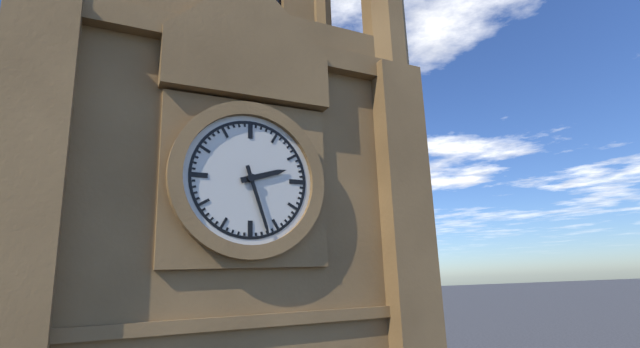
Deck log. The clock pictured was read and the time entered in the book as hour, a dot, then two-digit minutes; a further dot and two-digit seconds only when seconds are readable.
2.27
